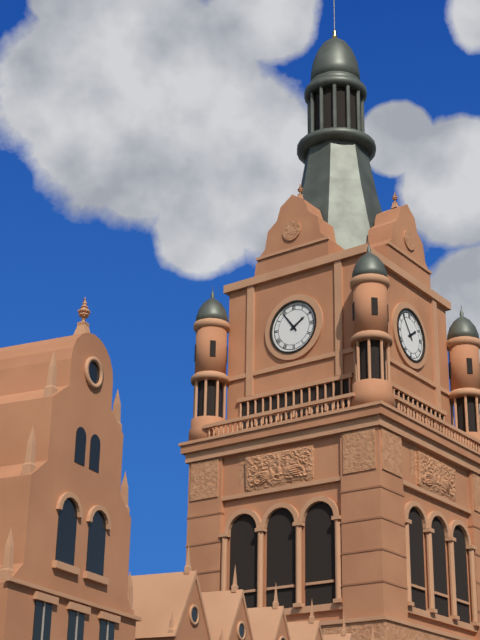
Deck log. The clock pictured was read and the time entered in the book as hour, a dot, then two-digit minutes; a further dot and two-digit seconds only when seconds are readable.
1.54
